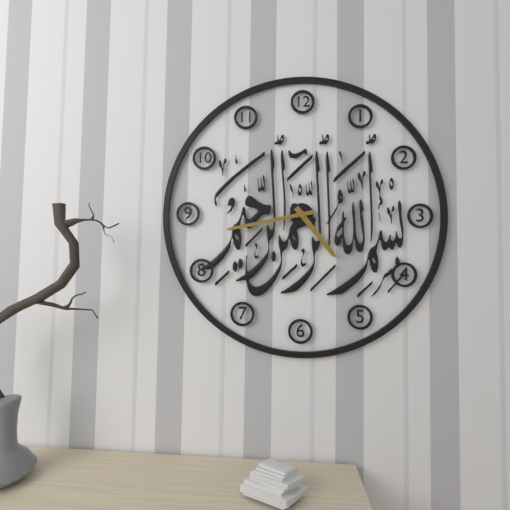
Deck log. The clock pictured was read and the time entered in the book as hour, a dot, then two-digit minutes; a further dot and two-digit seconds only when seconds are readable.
4.43
